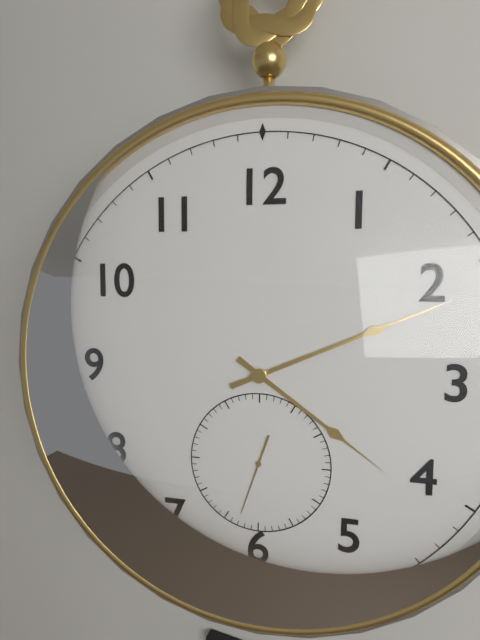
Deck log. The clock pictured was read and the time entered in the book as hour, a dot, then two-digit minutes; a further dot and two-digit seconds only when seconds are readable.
4.11.33
